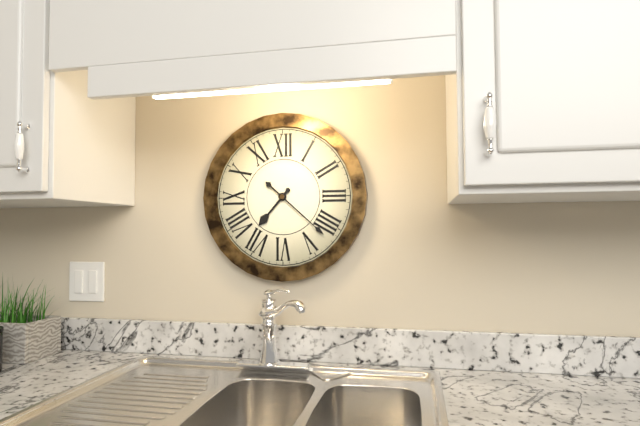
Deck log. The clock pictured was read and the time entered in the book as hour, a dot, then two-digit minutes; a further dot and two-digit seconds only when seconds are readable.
7.22
